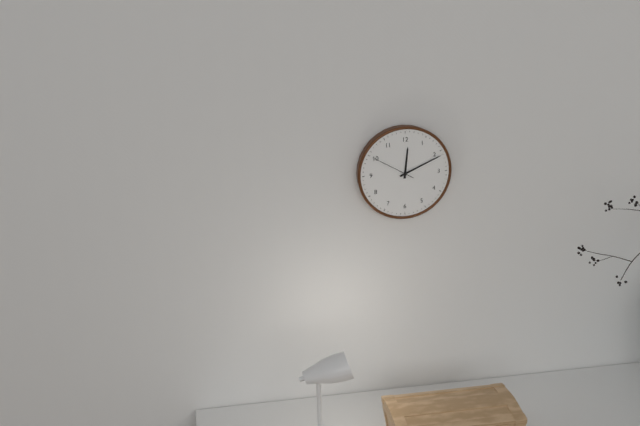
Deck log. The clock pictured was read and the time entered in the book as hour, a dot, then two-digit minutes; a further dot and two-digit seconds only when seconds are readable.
12.11
